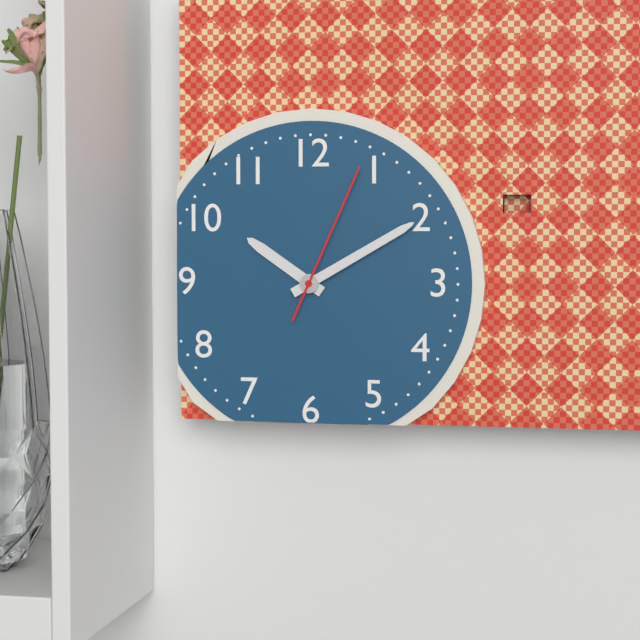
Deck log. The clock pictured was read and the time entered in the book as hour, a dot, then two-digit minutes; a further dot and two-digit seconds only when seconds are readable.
10.10.04
